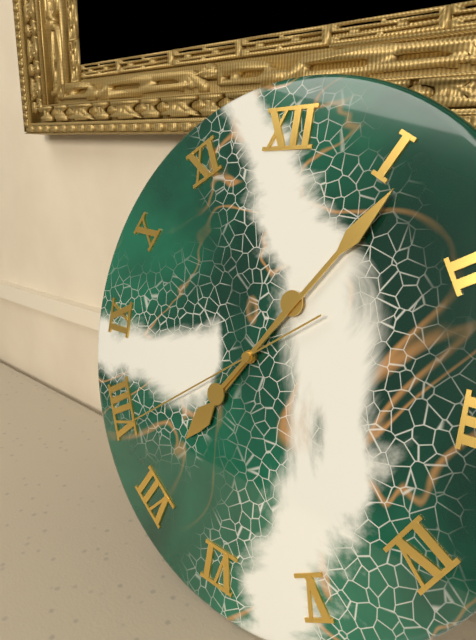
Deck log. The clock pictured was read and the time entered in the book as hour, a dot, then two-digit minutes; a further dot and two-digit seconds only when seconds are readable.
7.06.39
